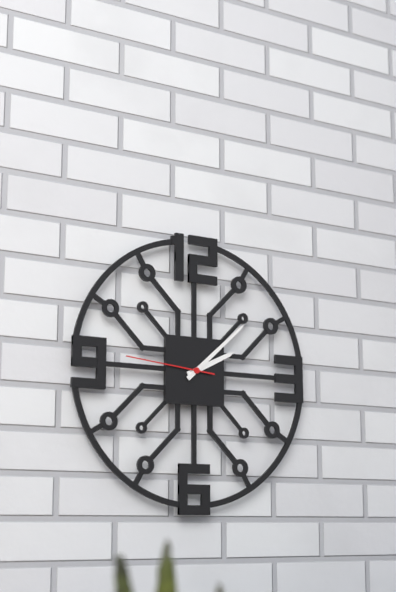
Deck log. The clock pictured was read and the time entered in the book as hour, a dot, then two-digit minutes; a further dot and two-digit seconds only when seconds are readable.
2.08.46
